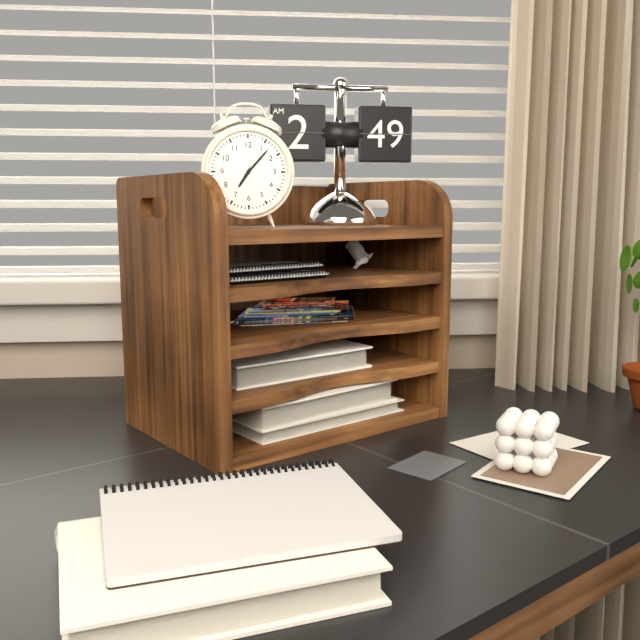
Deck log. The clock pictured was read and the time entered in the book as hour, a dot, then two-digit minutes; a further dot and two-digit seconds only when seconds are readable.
7.07
